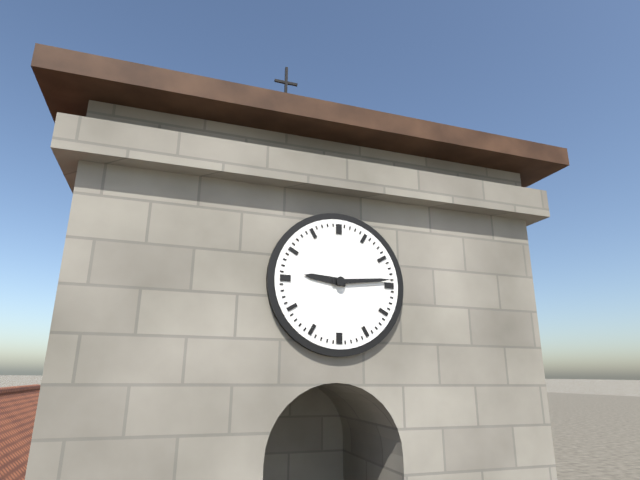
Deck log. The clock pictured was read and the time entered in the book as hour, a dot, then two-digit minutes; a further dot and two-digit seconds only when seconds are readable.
9.14
